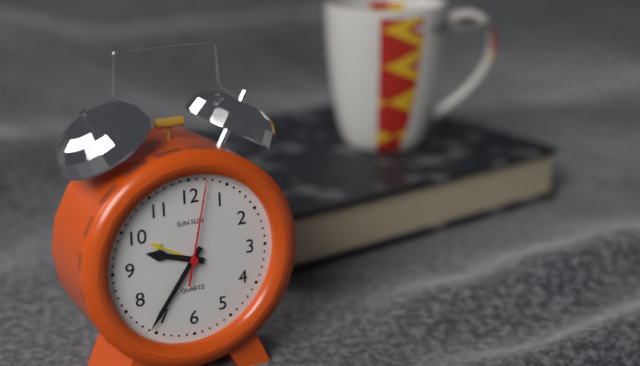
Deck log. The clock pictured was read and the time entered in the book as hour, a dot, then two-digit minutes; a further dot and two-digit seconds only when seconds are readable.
9.36.02
